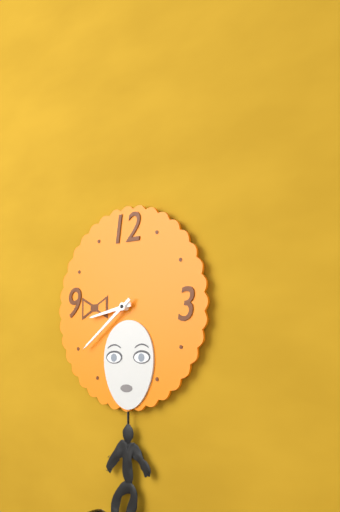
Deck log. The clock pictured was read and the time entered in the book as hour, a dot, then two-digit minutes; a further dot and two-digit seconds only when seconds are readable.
8.39
